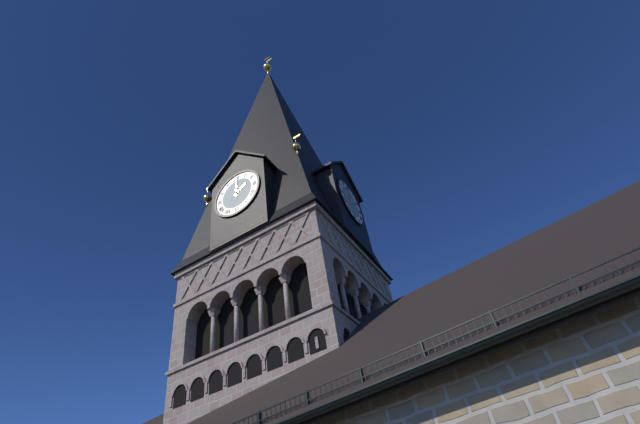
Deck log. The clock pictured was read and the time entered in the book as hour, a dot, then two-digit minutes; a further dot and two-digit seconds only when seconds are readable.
2.00
